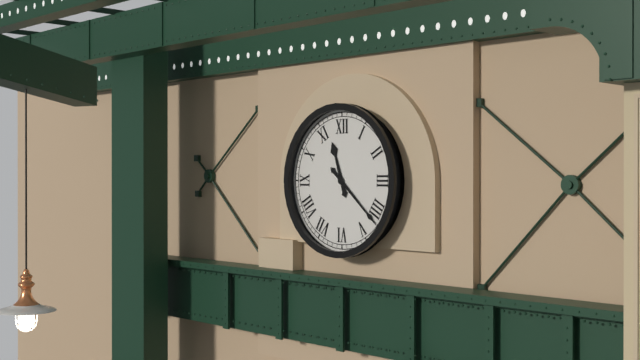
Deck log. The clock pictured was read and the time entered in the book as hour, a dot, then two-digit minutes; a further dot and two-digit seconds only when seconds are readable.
11.22
